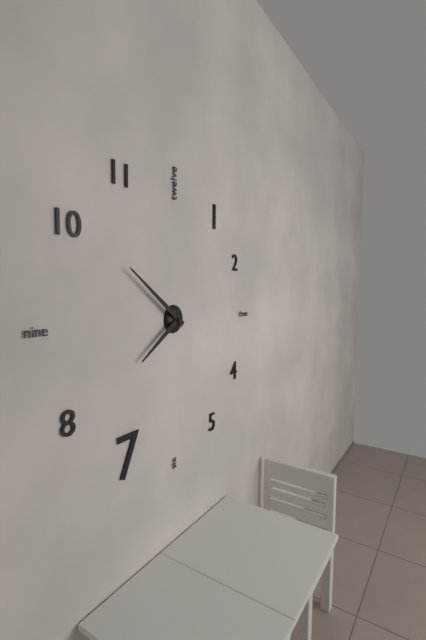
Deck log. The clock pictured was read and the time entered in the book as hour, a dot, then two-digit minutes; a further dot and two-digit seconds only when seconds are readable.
7.51
